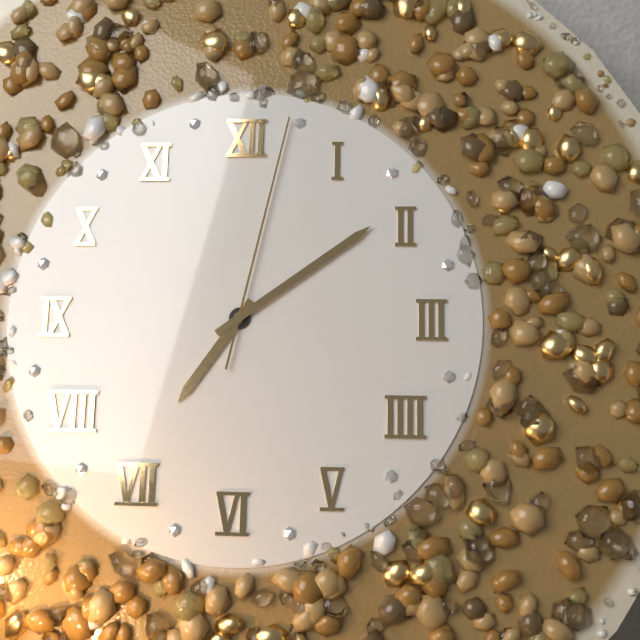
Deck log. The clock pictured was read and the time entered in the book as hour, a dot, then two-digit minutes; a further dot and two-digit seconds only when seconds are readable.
7.09.02
